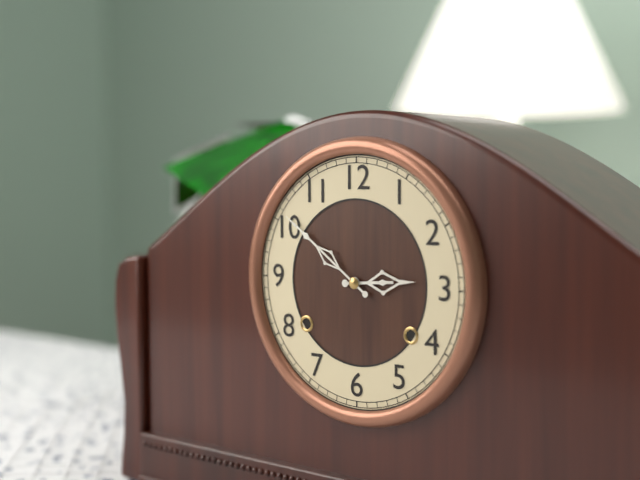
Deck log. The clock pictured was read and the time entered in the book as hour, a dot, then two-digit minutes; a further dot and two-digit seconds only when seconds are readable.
2.51
